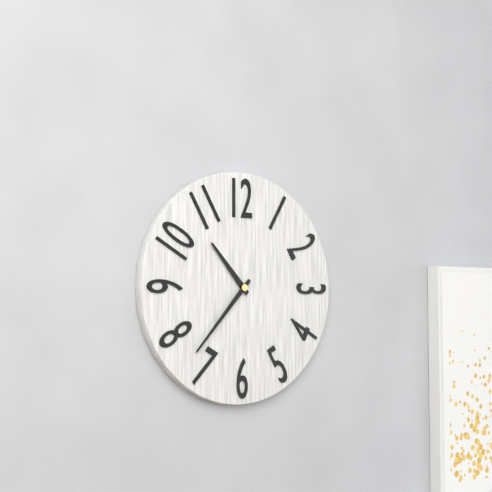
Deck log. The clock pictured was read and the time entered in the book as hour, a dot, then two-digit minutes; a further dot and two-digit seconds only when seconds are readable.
10.37
